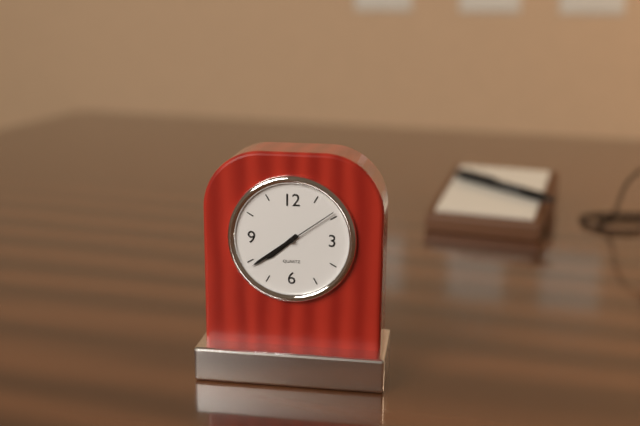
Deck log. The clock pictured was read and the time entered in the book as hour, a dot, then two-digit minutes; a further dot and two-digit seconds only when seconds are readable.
7.39.09
